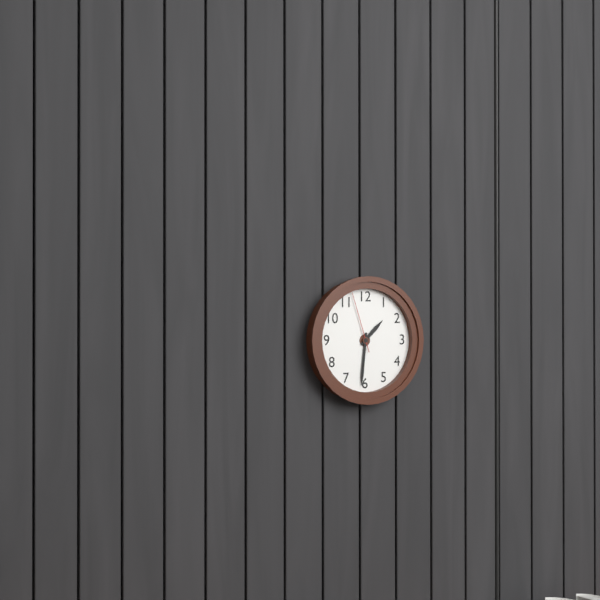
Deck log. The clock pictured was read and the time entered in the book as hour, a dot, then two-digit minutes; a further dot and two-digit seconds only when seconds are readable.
1.31.57
